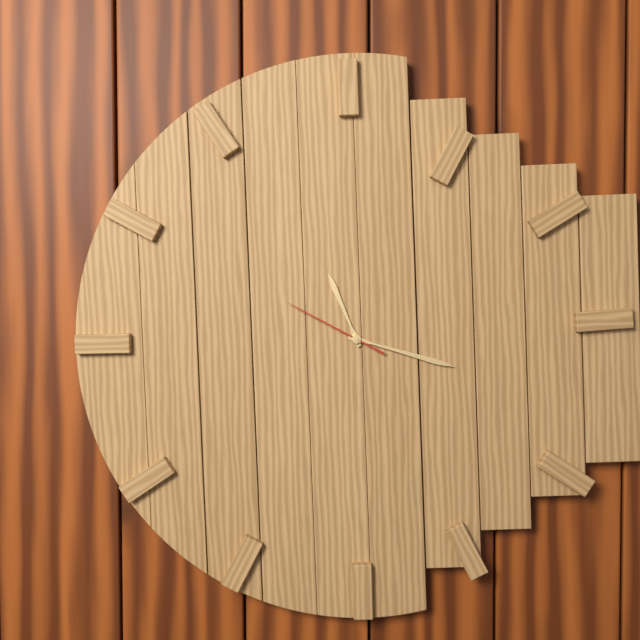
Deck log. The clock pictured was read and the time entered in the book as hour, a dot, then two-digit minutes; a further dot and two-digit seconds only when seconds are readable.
11.18.50
